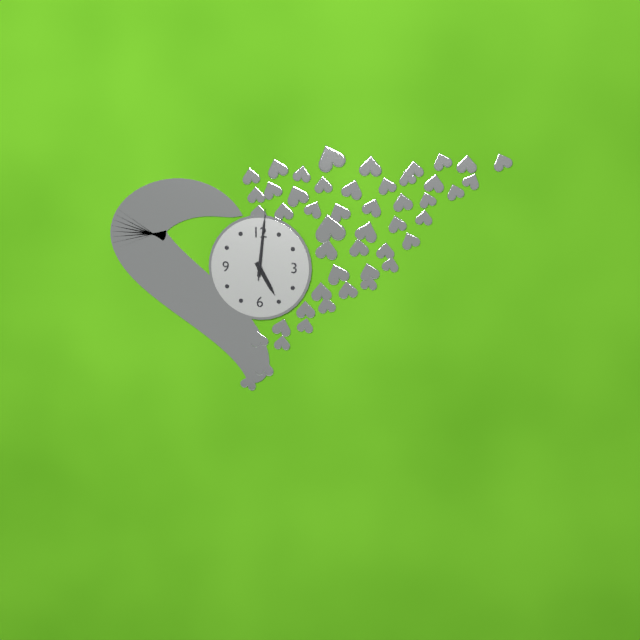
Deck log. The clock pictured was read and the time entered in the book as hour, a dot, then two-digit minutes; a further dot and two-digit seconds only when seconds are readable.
5.01.01
